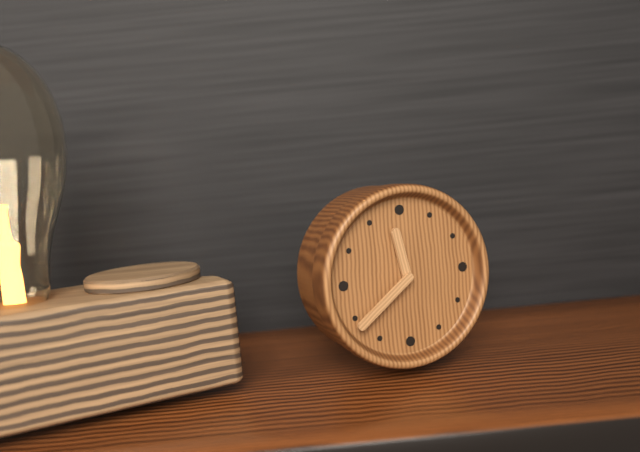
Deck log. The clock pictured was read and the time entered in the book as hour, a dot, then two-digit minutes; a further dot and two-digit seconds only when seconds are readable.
11.39
